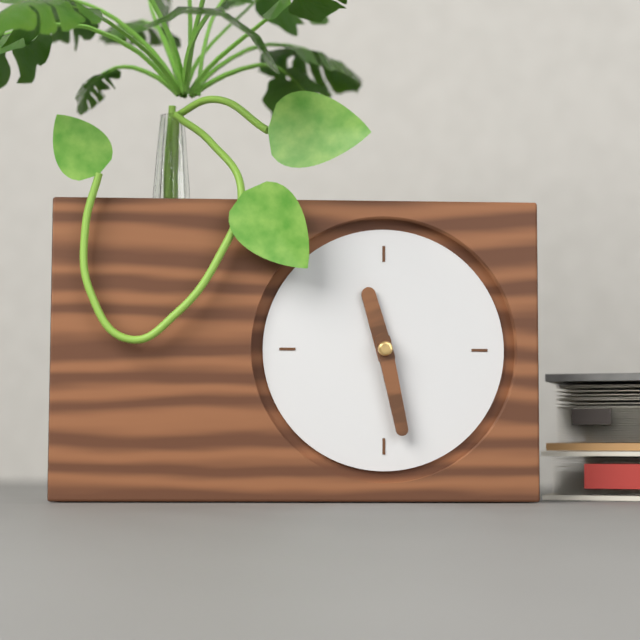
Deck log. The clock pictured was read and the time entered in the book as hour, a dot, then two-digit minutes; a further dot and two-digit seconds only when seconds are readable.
11.28
